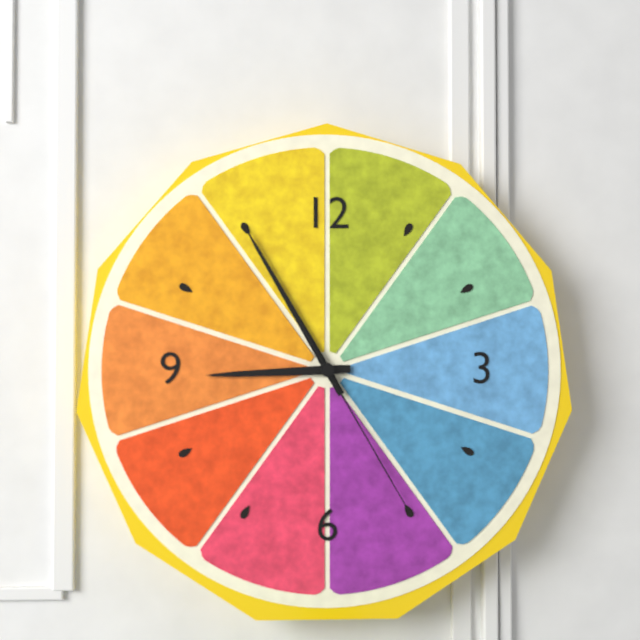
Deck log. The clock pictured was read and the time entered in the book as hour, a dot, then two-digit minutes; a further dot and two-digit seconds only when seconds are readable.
8.55.25
